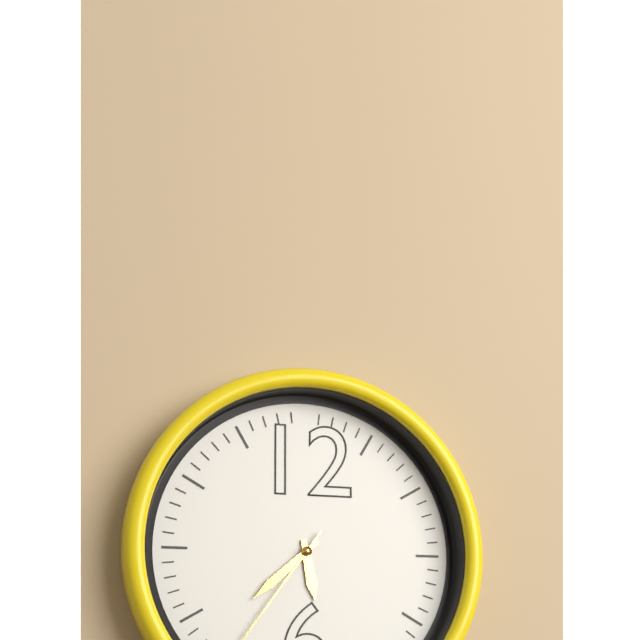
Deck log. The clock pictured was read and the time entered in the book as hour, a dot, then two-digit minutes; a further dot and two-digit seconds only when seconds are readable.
5.38
